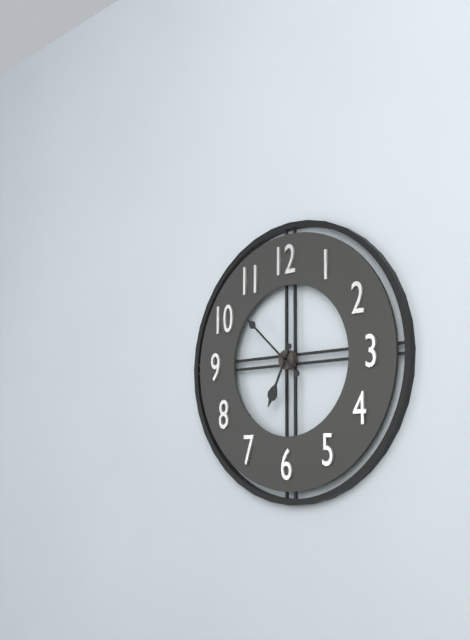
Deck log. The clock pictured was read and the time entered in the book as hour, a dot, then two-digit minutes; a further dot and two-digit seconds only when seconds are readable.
6.52
